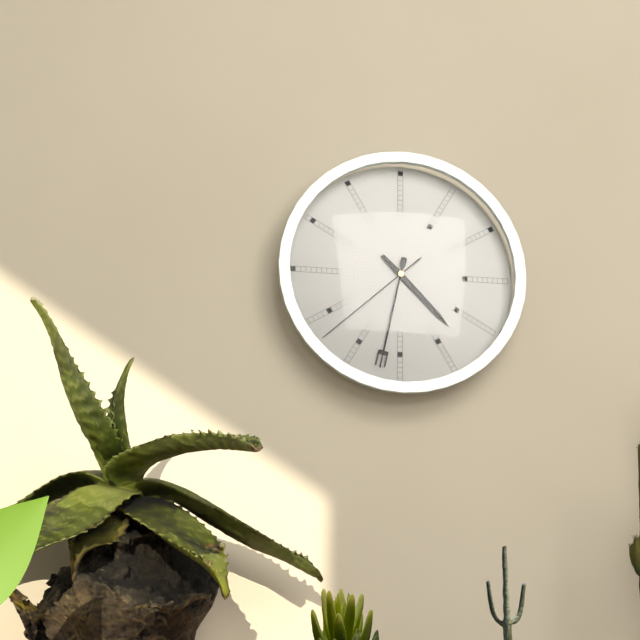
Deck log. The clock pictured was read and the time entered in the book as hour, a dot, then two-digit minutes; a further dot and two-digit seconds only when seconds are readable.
4.32.38
